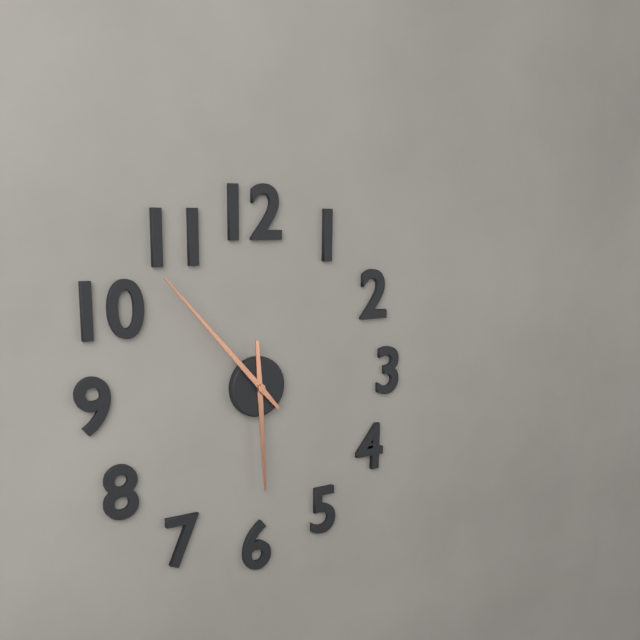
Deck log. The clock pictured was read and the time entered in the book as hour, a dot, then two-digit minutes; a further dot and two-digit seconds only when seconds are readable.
5.53
